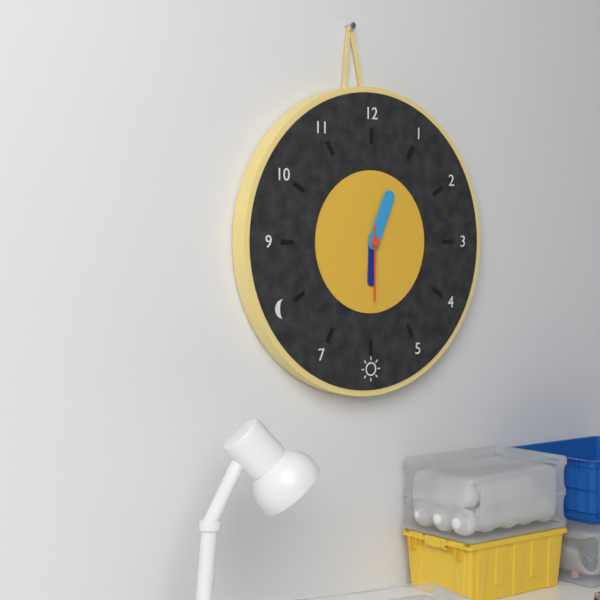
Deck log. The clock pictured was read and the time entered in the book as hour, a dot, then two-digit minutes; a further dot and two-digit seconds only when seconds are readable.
6.04.30
